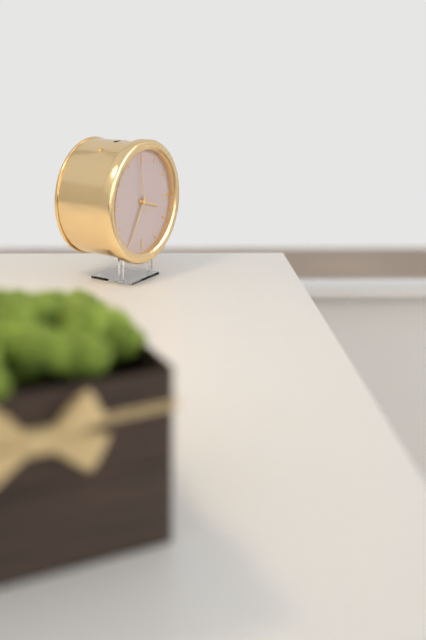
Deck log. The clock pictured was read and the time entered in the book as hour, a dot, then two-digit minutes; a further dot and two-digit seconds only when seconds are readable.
3.35.59
